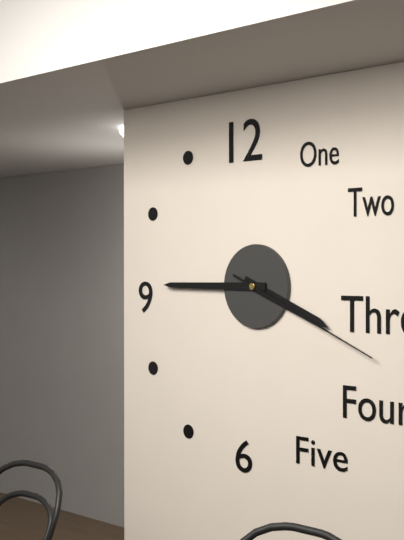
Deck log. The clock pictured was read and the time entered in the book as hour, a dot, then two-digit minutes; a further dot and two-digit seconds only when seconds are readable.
3.45.19
